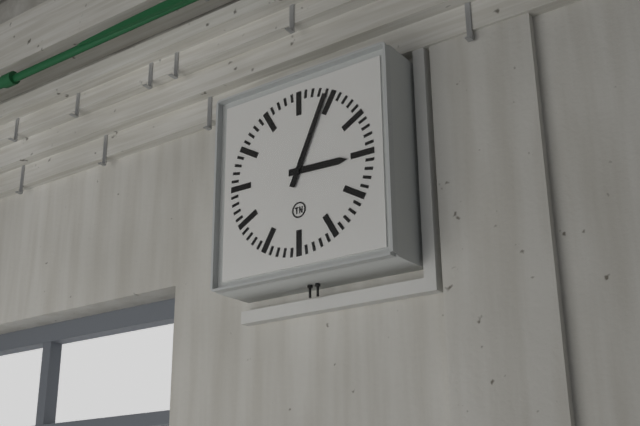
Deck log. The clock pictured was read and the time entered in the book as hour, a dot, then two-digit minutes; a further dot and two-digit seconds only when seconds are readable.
3.04
